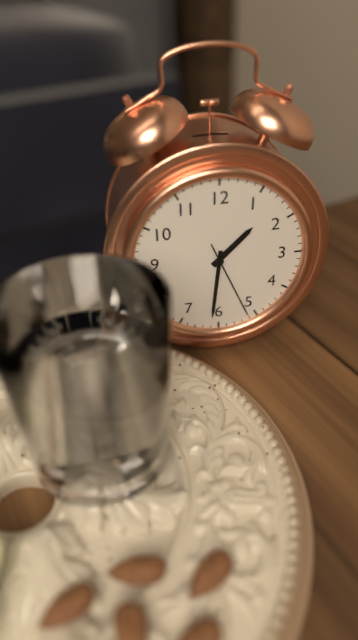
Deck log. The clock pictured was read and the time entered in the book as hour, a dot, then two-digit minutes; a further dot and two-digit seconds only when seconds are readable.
1.31.26
